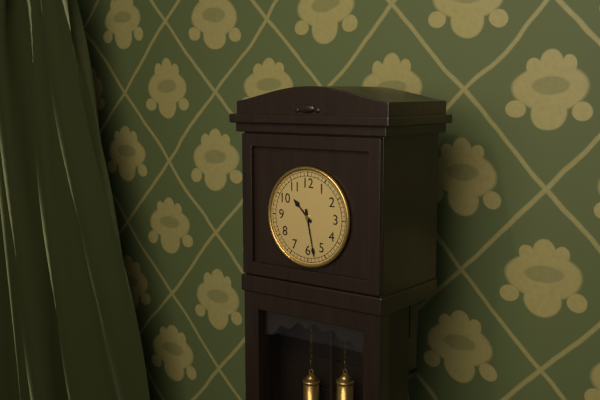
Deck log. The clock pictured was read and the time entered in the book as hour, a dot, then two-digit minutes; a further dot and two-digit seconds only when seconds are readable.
10.28
